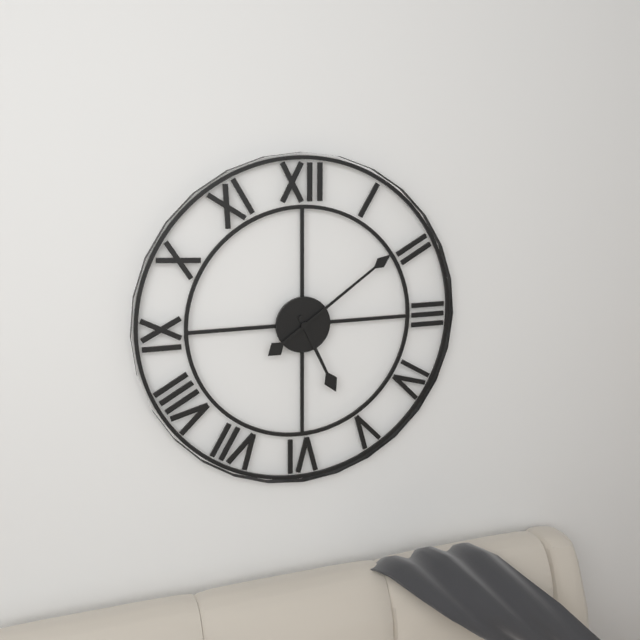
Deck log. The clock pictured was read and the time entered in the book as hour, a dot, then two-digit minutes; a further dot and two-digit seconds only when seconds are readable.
5.09
